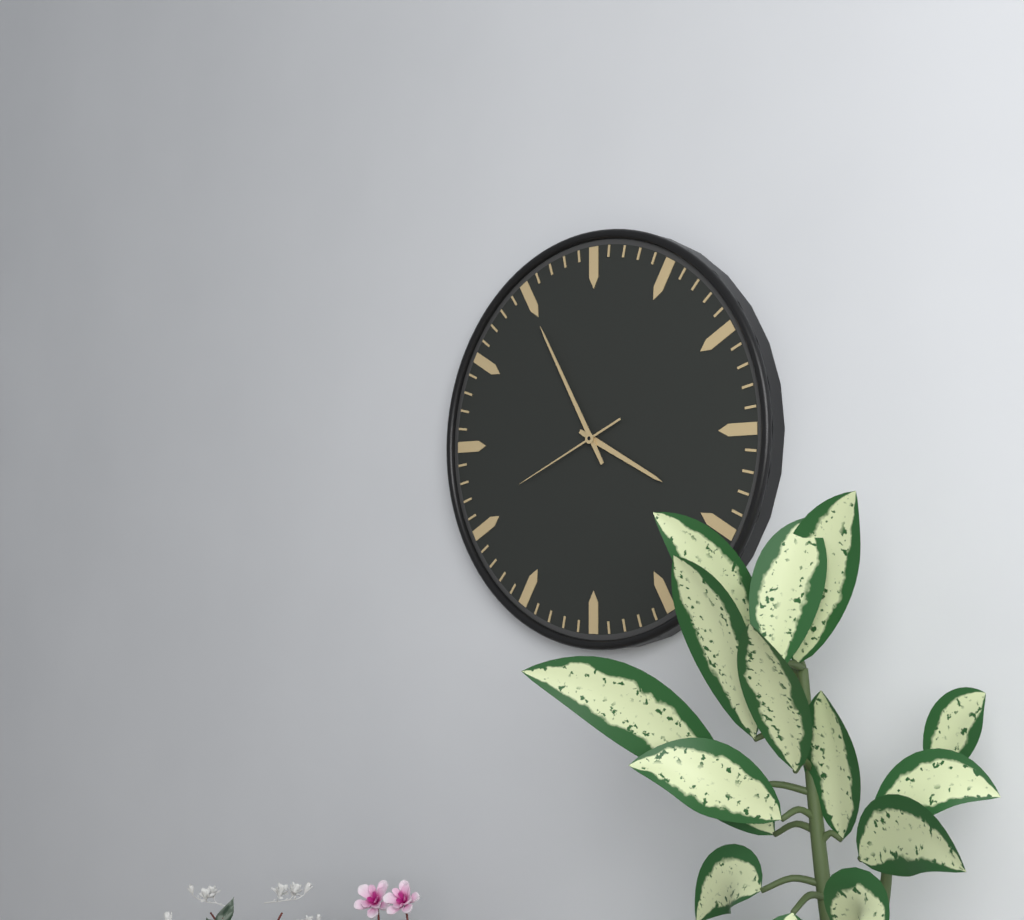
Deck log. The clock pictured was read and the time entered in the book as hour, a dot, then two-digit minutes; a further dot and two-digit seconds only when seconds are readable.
3.55.41
